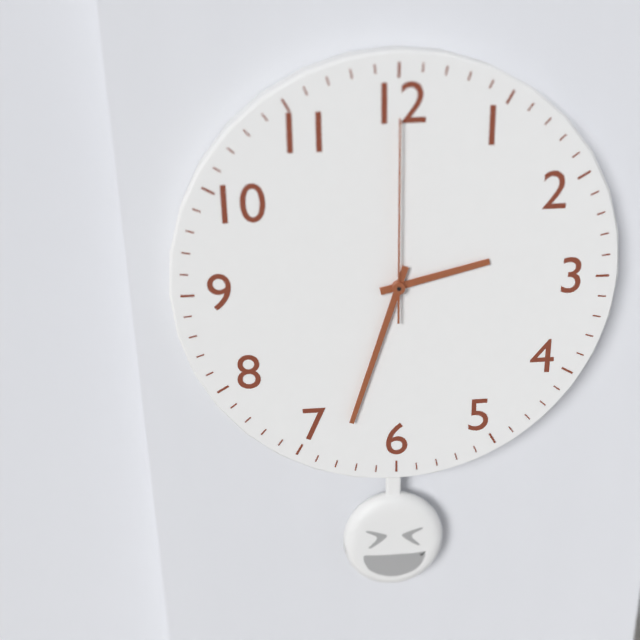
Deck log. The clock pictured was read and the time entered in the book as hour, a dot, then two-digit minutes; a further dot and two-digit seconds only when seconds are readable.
2.33.00
